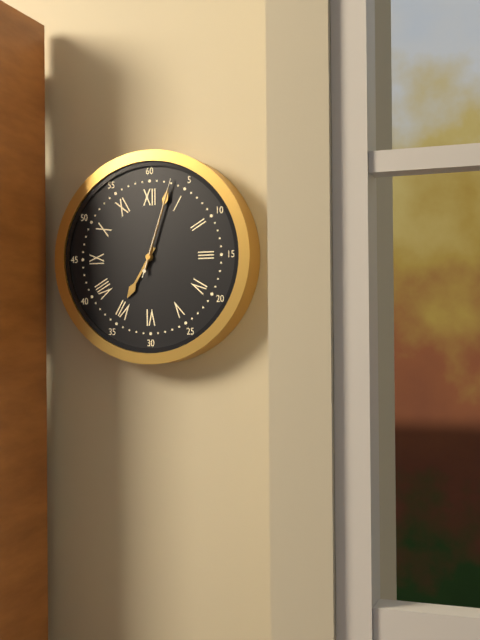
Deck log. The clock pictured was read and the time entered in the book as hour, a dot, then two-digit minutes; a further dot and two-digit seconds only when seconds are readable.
7.03.03
